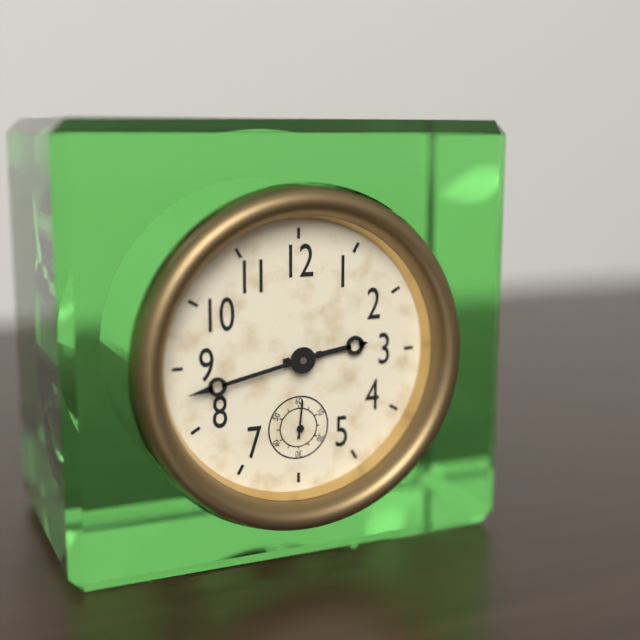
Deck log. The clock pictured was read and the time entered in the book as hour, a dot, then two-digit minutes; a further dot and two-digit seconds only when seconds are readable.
2.43
